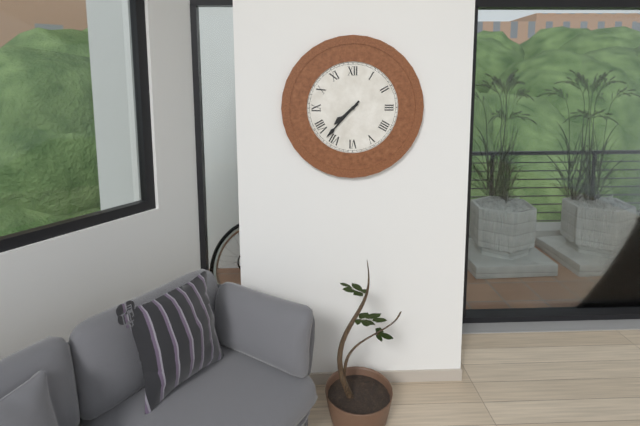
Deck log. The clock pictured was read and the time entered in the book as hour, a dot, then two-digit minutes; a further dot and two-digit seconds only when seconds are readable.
7.37
